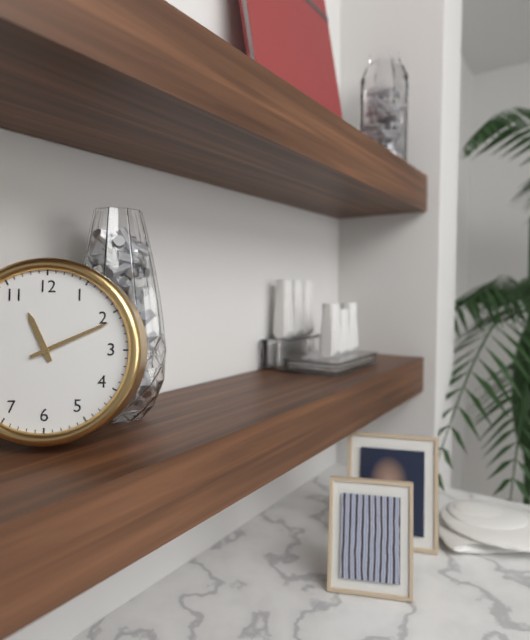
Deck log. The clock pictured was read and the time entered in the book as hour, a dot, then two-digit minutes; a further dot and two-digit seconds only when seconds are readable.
11.11
